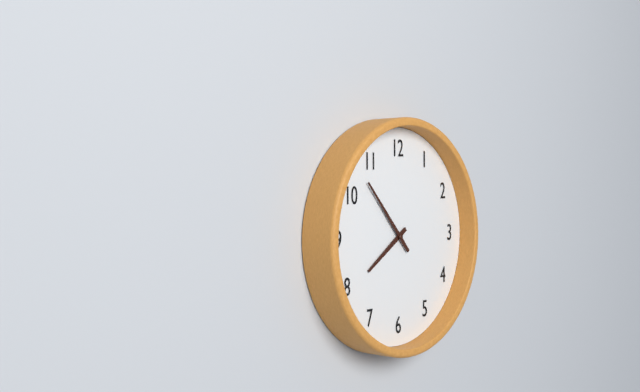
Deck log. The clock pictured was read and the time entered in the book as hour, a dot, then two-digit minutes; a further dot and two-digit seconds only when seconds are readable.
7.53
